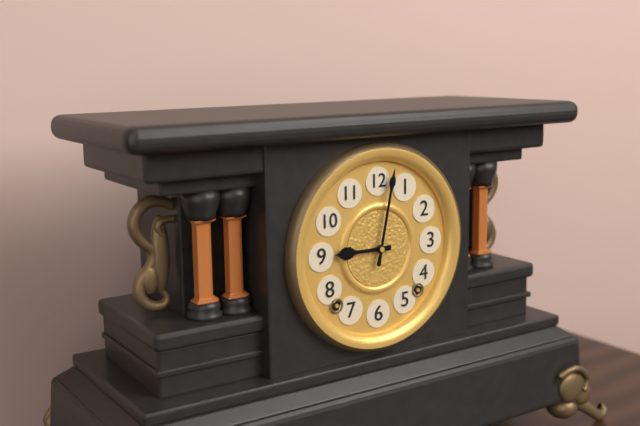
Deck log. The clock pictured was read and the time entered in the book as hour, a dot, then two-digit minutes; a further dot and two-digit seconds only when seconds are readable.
9.02
